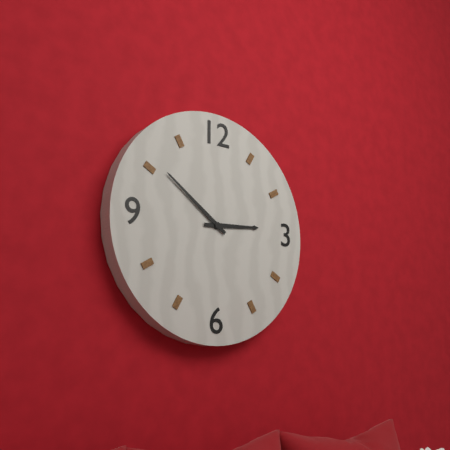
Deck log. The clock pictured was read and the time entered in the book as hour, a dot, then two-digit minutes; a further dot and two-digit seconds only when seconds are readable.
2.51
